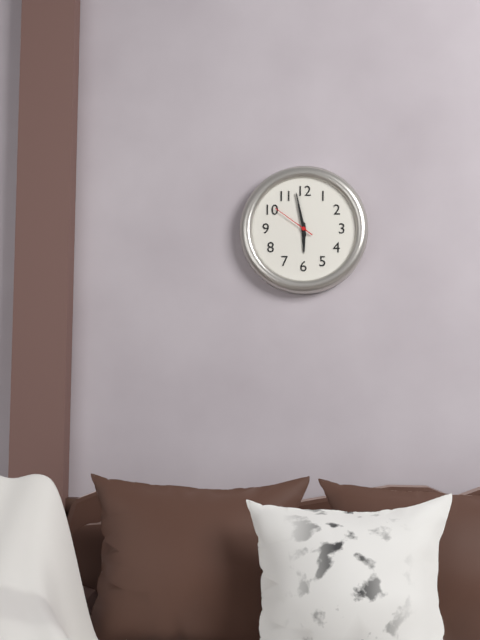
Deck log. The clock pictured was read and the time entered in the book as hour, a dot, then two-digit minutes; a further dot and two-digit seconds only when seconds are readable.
5.58
